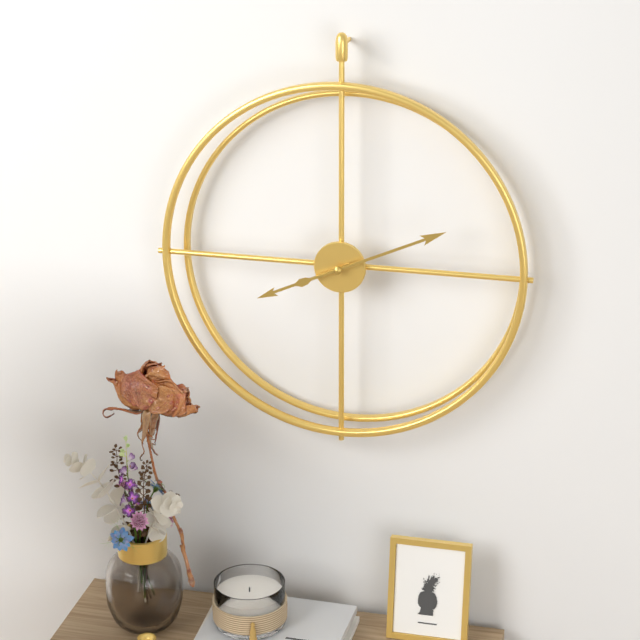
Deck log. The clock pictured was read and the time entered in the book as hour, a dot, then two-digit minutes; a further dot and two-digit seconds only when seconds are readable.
8.11
